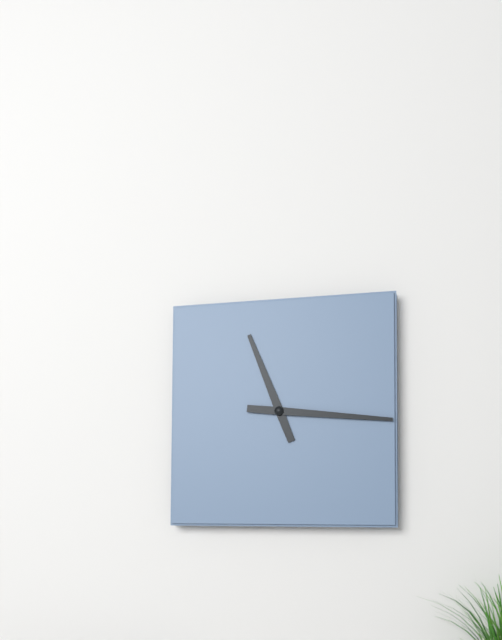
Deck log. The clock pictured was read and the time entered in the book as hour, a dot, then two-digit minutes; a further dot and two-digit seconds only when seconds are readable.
11.16
